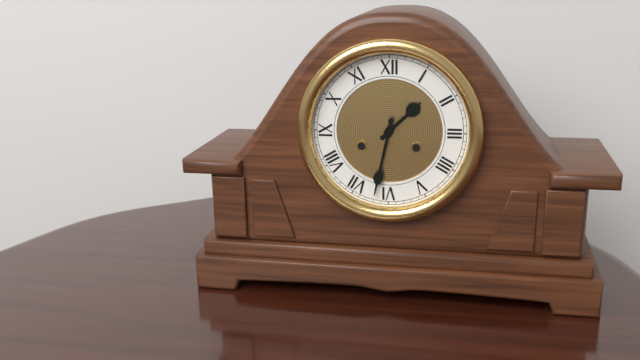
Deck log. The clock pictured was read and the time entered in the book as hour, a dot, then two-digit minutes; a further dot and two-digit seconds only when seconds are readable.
1.32
